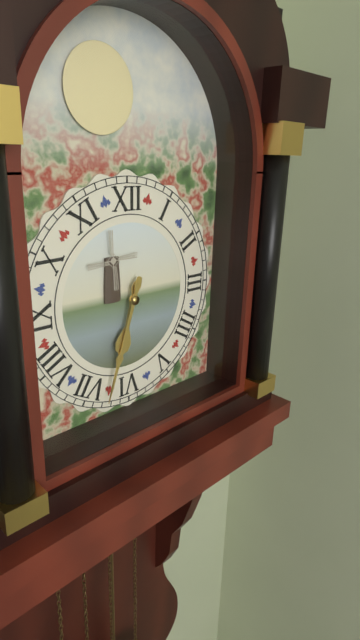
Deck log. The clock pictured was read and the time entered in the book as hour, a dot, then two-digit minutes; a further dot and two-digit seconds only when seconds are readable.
6.33
